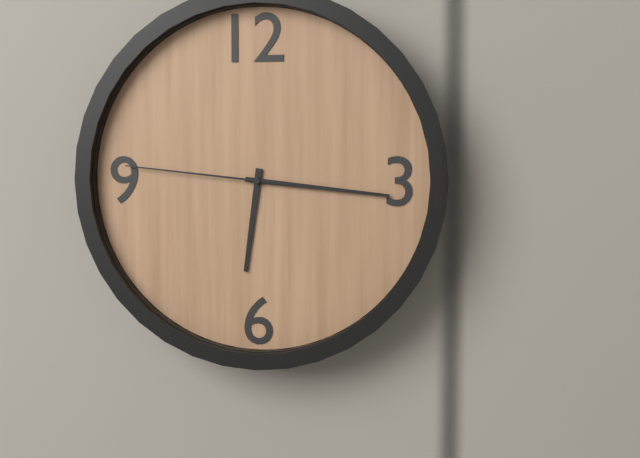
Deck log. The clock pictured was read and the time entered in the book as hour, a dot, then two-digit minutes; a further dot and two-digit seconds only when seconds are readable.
6.16.46
